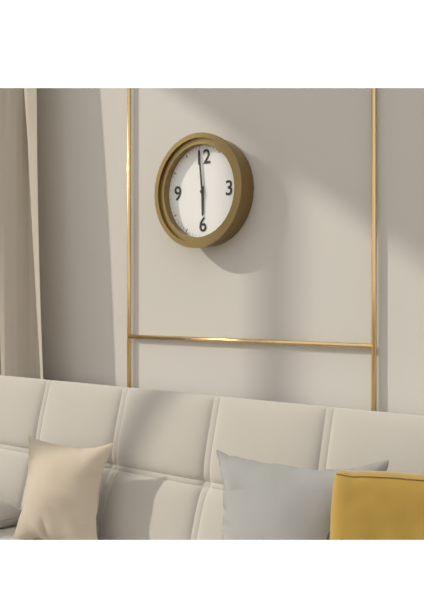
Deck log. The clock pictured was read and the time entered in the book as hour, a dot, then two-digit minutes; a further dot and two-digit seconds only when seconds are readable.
5.59
